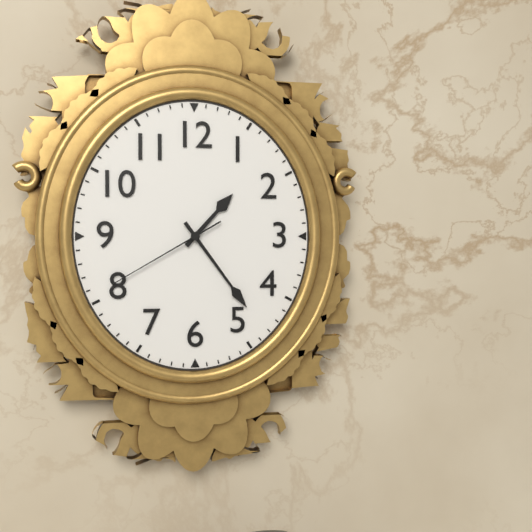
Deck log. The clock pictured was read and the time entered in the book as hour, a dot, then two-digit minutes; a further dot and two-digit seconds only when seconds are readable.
1.24.40
